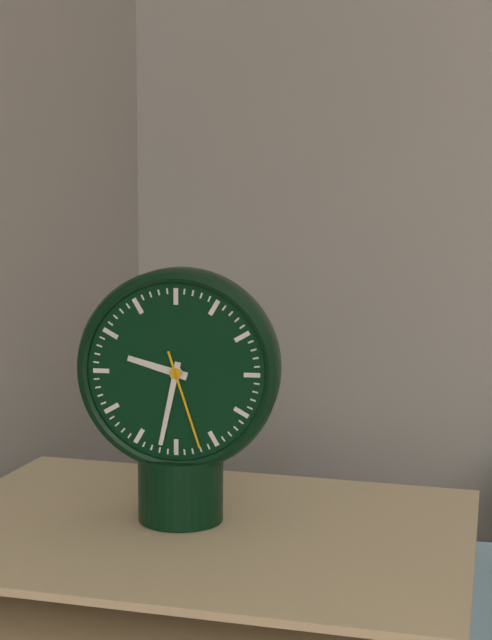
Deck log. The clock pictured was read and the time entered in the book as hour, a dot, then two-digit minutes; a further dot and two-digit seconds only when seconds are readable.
9.32.27
